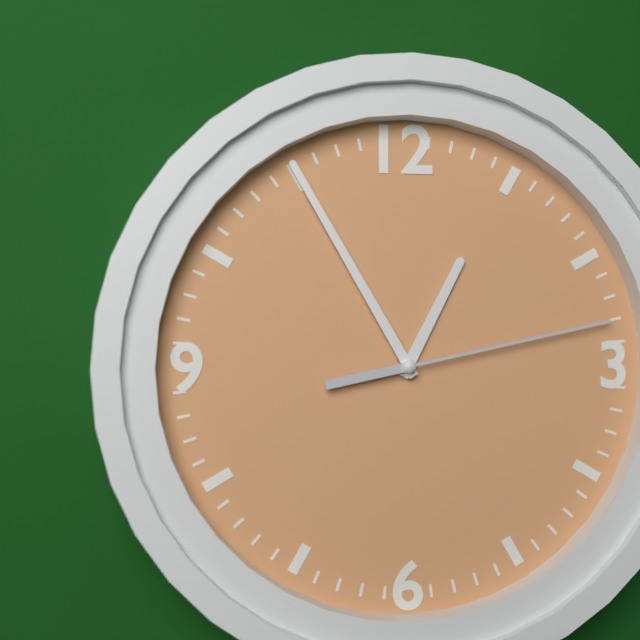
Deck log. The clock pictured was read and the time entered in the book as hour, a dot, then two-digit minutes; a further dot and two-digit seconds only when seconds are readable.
12.55.13
